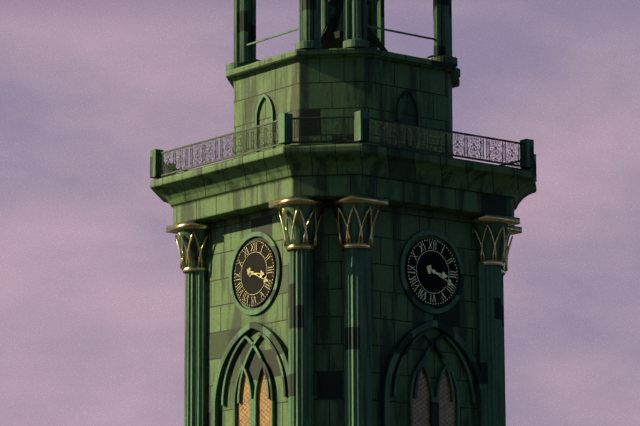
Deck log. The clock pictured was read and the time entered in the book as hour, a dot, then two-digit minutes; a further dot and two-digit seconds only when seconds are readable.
3.19
